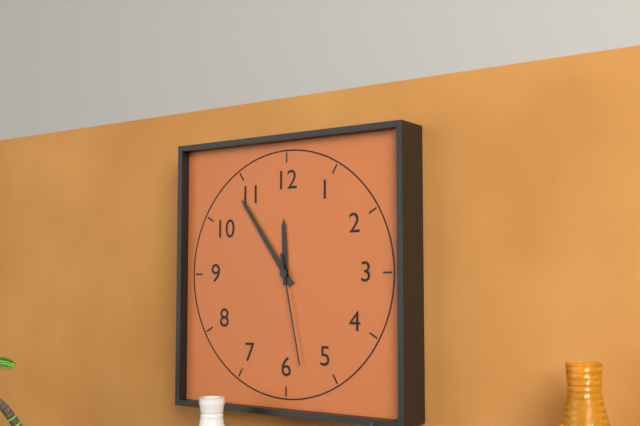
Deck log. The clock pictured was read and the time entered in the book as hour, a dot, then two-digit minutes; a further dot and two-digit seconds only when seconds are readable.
11.54.28
